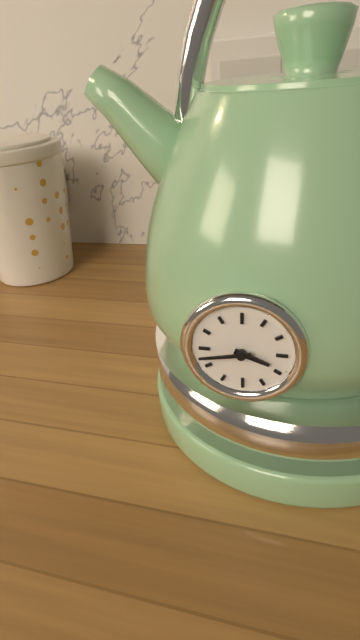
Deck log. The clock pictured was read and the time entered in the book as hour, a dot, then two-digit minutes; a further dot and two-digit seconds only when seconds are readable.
3.43
